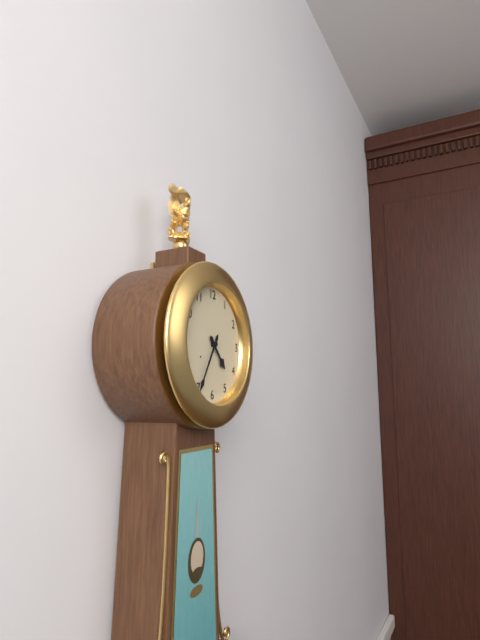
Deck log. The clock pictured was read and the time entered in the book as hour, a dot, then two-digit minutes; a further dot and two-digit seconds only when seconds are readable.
4.35
